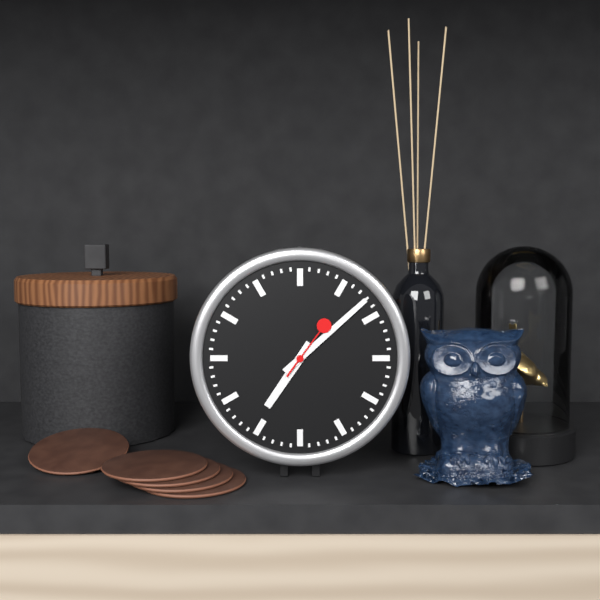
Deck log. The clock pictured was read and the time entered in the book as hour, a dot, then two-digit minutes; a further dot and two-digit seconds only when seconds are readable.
7.08.06
